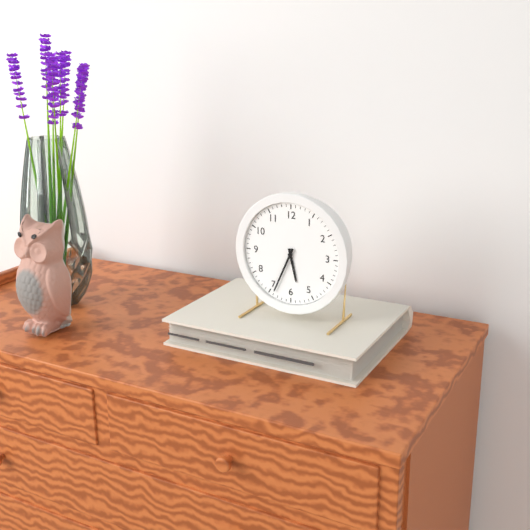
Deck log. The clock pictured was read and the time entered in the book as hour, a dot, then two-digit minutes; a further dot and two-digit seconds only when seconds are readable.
5.34
